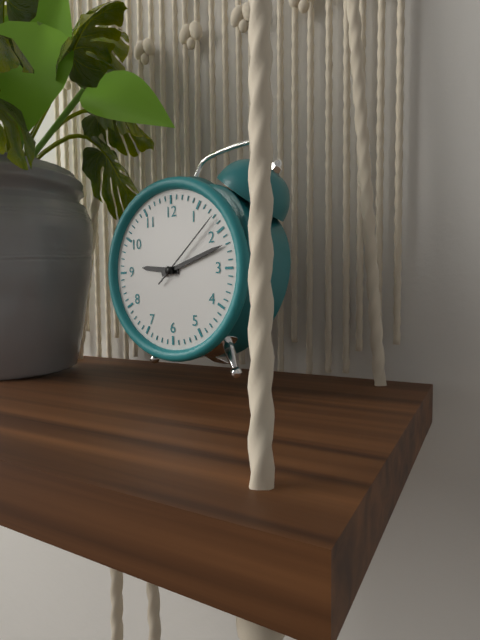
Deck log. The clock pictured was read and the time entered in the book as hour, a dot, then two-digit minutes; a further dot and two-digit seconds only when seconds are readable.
9.12.08
